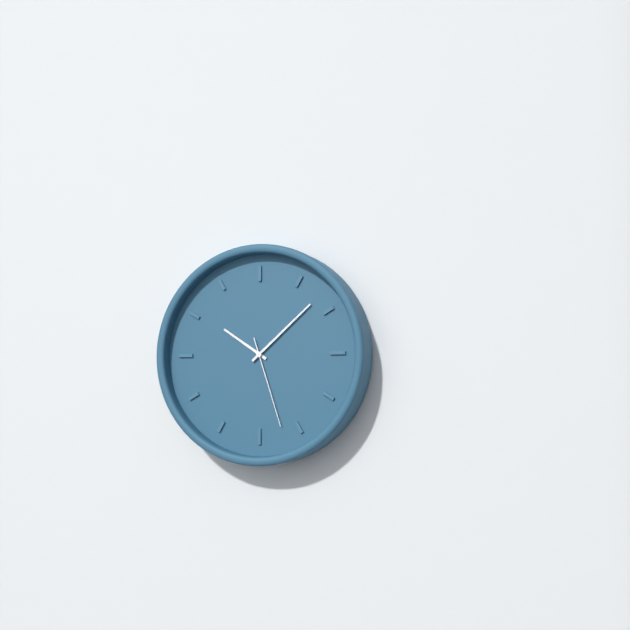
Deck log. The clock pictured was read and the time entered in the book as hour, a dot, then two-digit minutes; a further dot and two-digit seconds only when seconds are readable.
10.08.27
